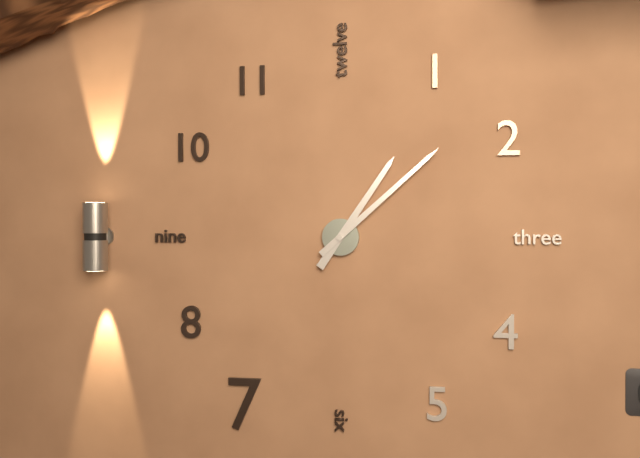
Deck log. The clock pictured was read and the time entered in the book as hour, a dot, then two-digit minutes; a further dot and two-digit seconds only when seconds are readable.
1.08
